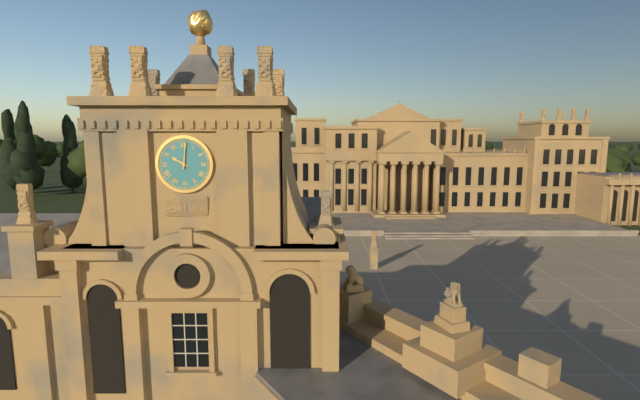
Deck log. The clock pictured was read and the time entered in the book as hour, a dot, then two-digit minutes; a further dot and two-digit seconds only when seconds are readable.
10.01
